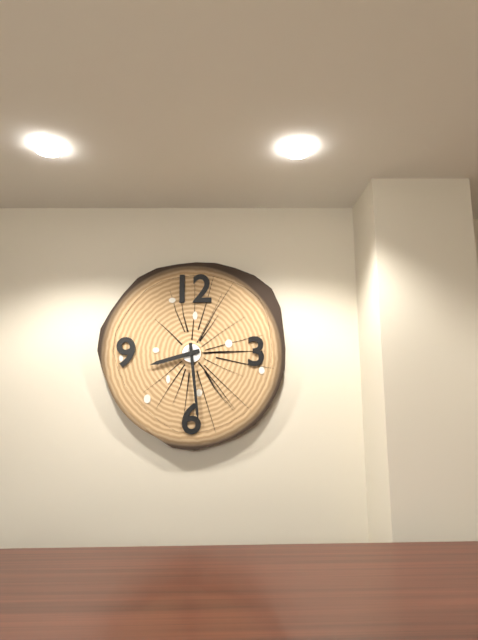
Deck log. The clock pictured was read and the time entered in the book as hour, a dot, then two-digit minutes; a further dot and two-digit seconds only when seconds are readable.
8.29
